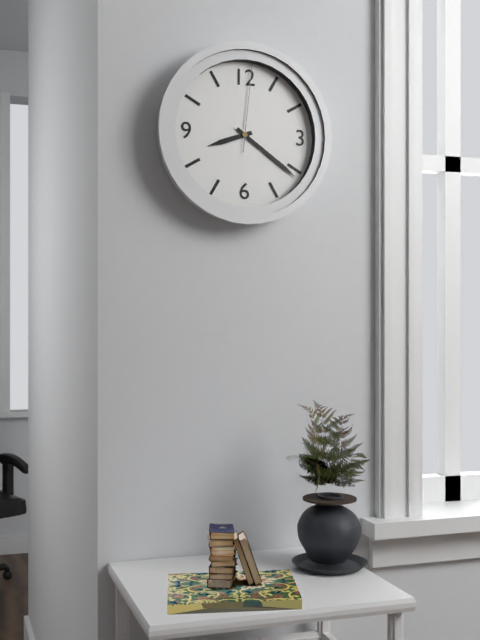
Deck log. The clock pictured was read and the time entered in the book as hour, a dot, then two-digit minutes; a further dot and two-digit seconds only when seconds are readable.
8.21.01
